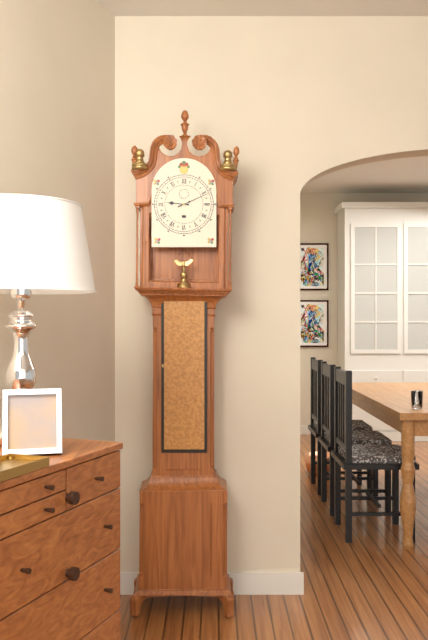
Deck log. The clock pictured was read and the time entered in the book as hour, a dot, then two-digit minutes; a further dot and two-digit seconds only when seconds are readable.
9.11
